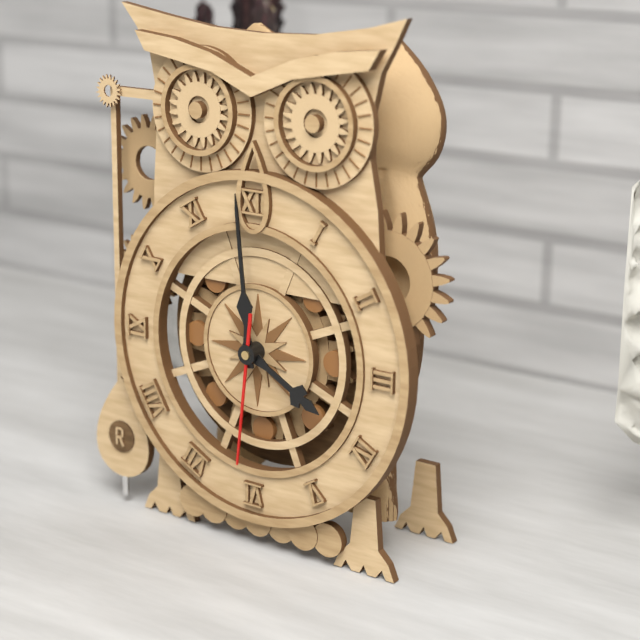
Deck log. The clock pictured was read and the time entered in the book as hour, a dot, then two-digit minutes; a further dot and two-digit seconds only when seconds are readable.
3.59.31
